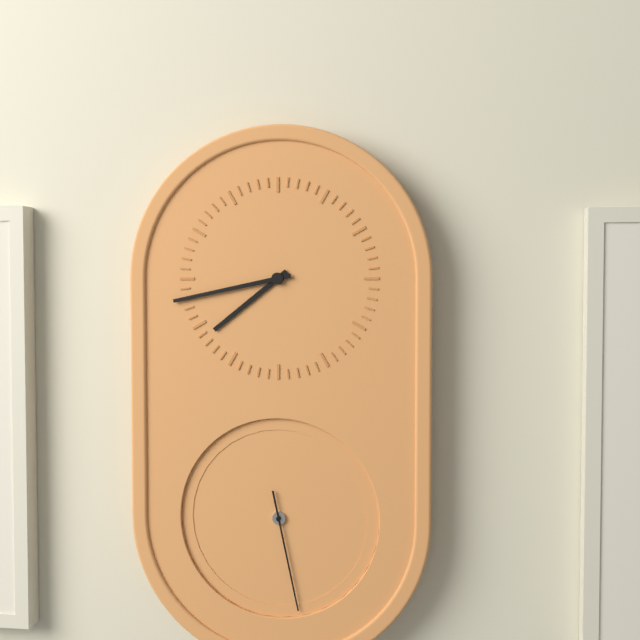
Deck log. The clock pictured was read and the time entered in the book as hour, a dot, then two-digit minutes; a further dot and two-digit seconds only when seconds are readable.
7.43.28
